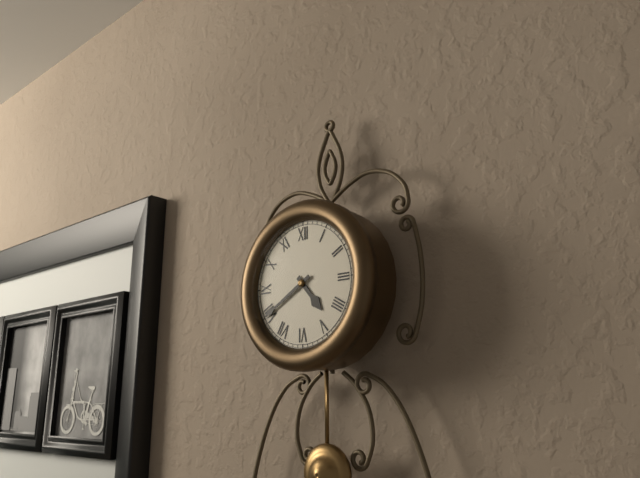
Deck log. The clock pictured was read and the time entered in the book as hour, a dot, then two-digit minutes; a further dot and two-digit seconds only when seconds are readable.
4.40
